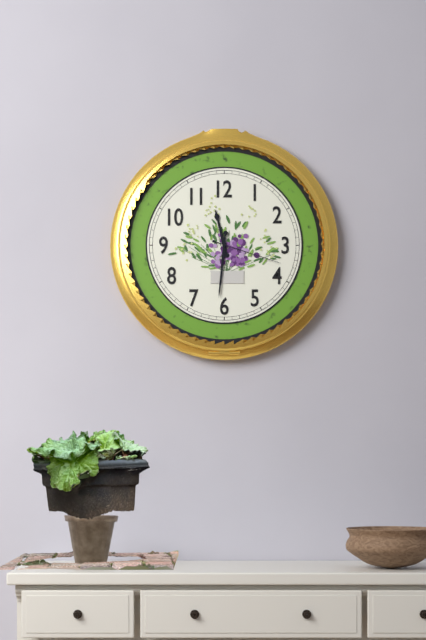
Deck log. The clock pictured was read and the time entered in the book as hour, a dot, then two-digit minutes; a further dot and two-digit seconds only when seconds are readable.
11.31.18
